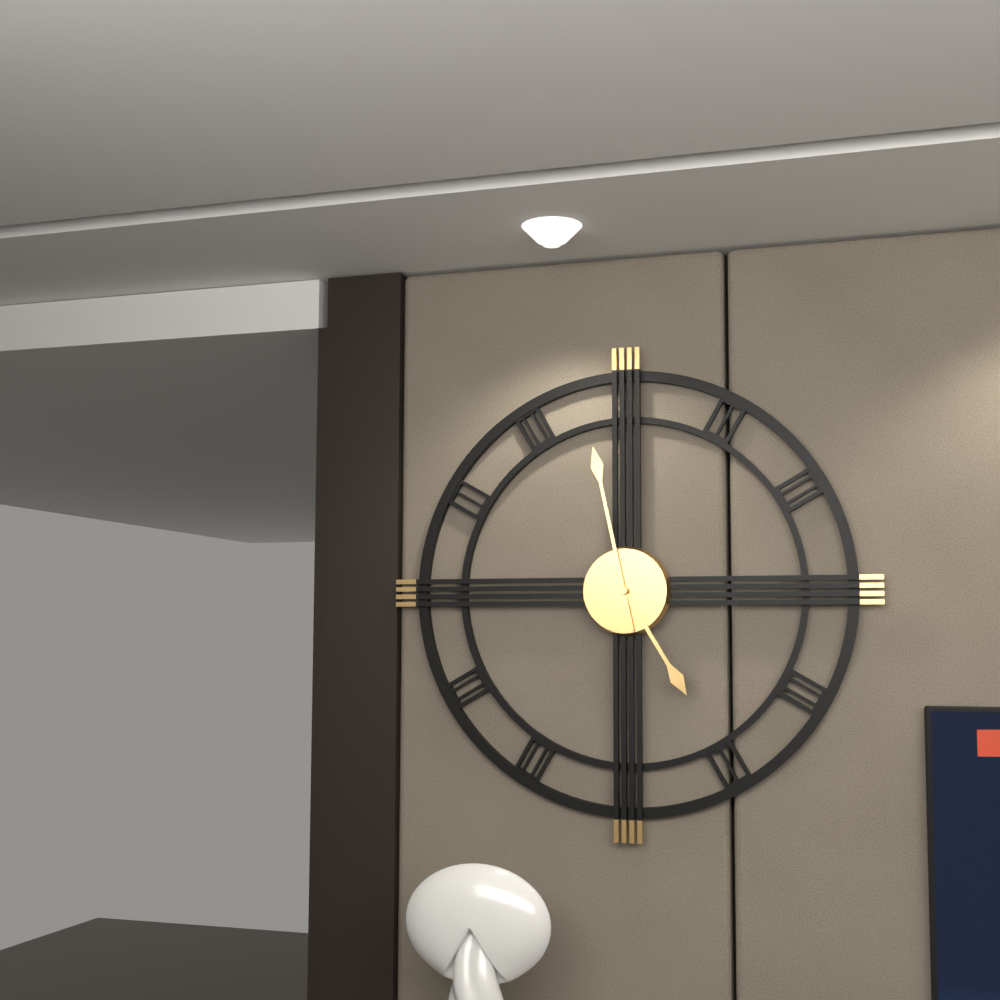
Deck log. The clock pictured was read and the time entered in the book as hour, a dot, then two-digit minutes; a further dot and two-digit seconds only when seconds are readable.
4.58
